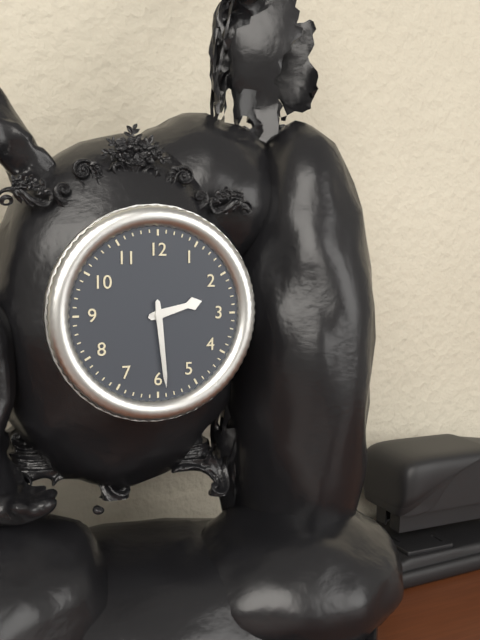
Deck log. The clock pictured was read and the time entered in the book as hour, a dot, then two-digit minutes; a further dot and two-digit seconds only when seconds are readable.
2.29
